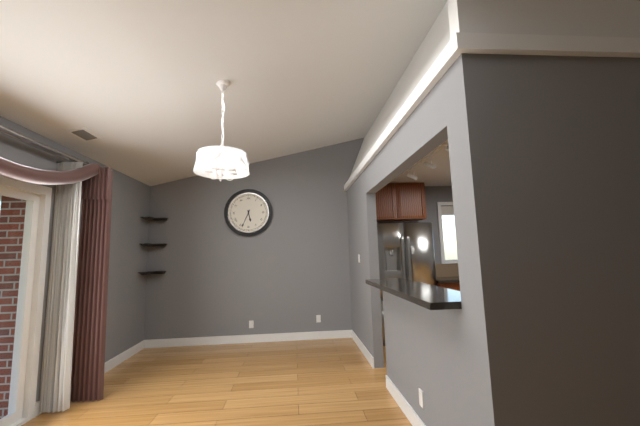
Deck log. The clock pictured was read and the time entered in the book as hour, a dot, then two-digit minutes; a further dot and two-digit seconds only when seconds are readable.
5.34
